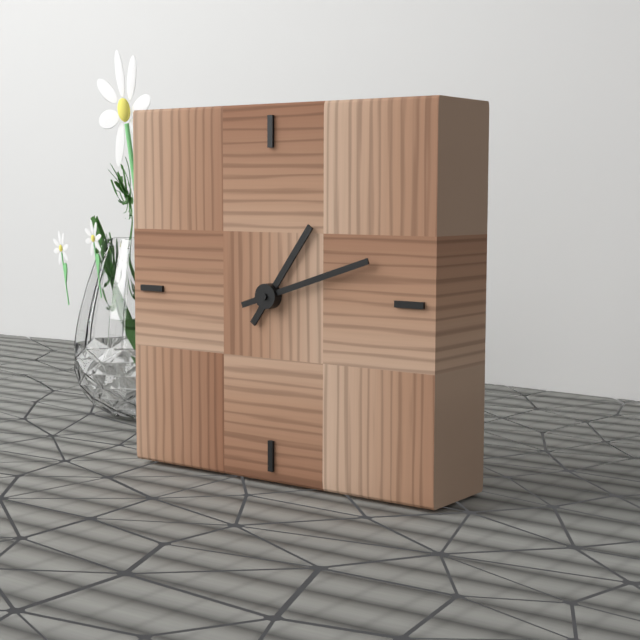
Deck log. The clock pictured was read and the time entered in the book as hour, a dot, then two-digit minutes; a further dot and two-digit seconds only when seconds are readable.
1.12
